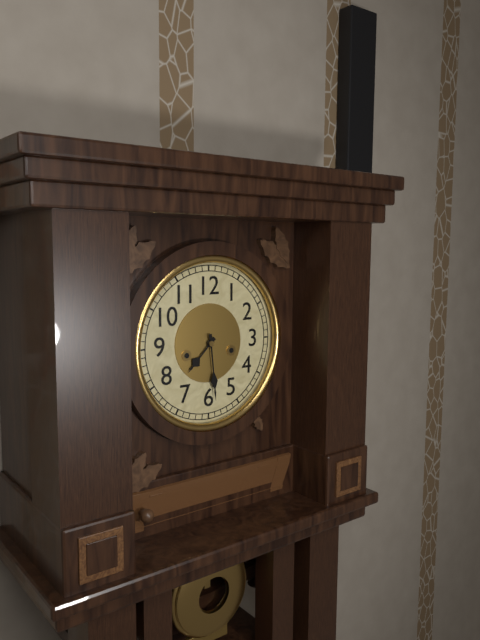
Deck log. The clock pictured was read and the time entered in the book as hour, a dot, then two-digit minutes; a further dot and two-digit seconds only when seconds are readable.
7.29
